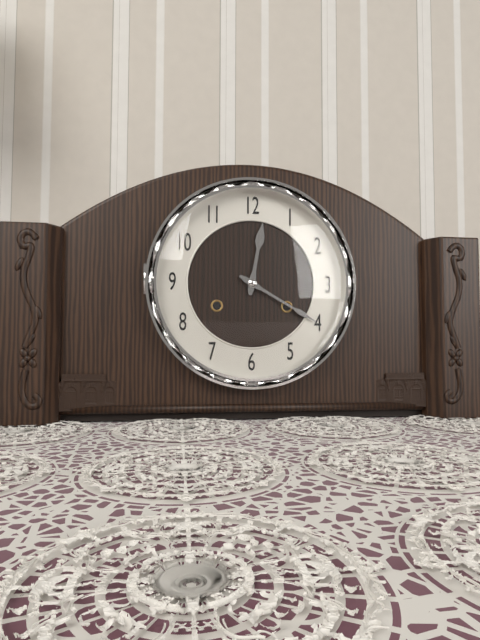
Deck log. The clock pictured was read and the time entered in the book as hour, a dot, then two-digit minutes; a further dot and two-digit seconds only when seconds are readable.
12.20
